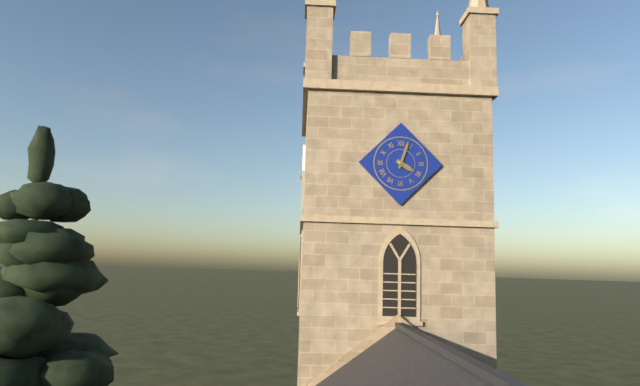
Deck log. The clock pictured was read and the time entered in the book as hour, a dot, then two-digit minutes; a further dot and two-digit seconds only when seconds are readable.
4.03
